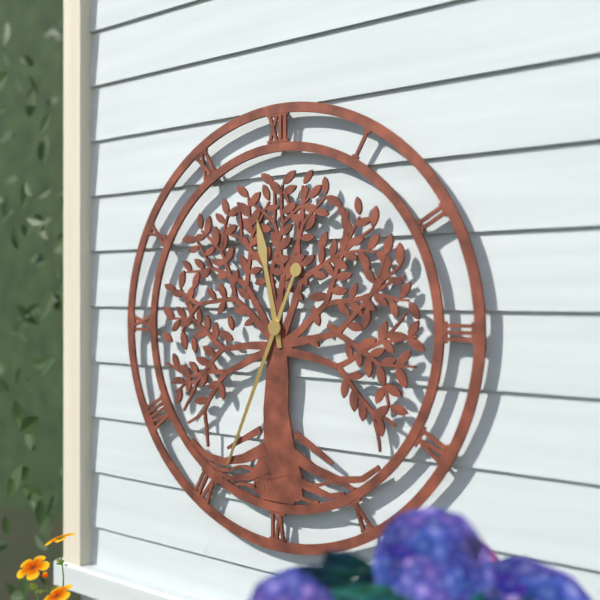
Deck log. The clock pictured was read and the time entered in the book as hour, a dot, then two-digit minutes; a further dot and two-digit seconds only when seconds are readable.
11.34
